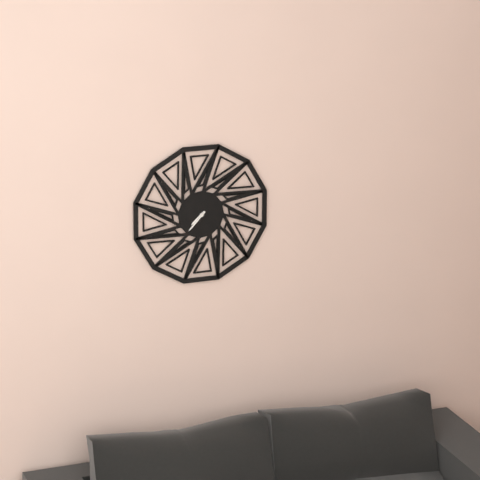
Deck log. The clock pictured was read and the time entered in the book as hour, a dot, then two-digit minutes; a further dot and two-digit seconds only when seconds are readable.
7.37
